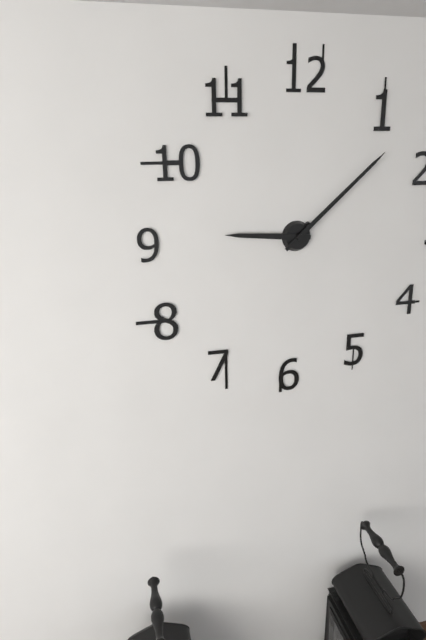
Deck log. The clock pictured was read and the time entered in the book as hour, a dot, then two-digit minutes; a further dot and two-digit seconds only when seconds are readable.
9.08
